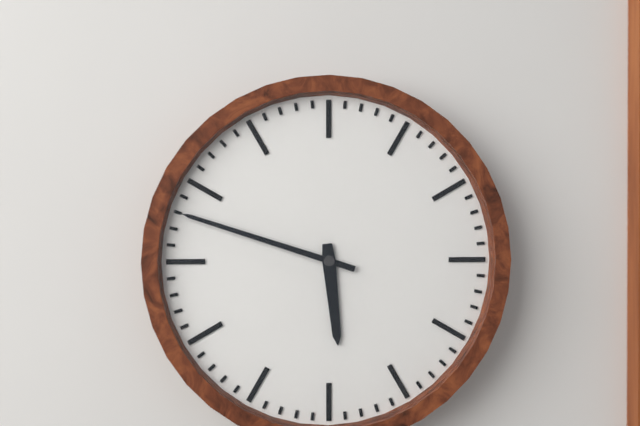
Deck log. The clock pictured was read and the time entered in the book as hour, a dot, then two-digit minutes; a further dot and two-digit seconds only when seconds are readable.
5.48
